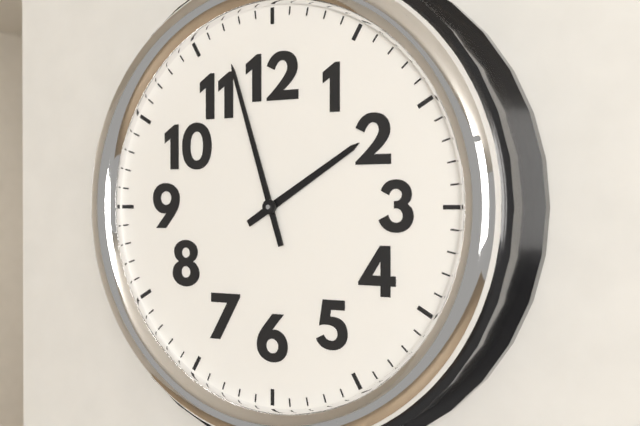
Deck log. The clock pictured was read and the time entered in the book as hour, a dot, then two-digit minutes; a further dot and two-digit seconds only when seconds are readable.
1.57
